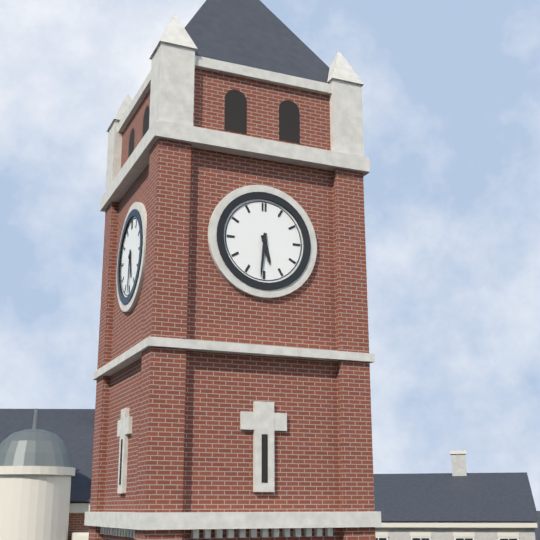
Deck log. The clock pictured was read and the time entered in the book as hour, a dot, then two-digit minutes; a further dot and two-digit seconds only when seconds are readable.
5.31
